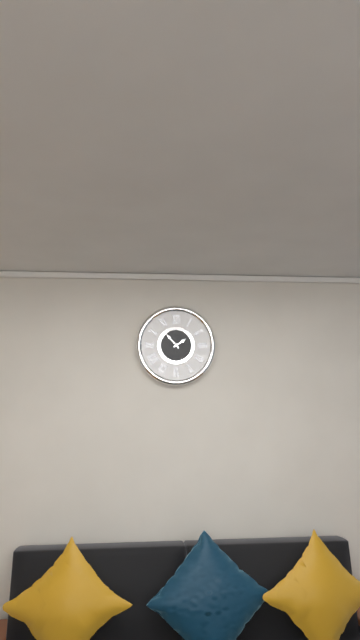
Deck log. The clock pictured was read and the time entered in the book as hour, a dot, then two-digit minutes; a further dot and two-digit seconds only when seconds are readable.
1.53
